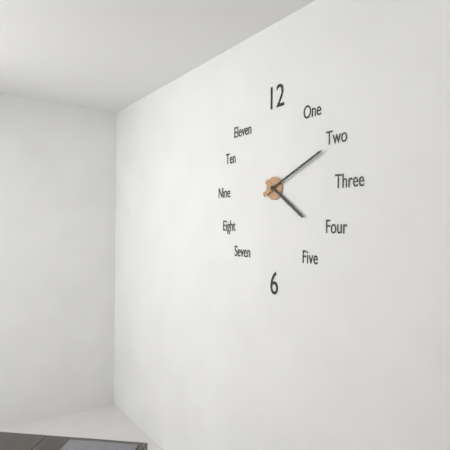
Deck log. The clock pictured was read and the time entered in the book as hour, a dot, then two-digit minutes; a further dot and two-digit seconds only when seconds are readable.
4.11
